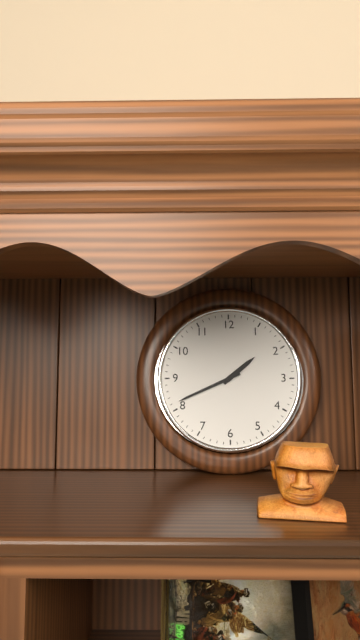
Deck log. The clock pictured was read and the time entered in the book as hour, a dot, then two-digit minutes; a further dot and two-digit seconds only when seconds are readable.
1.41
